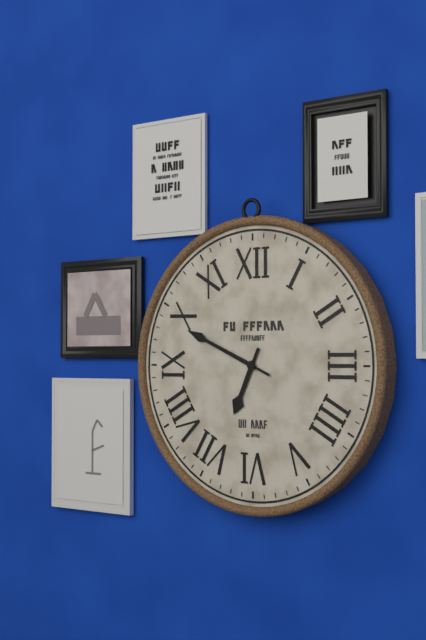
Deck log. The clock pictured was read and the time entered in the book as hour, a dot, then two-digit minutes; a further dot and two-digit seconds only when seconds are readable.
6.49
